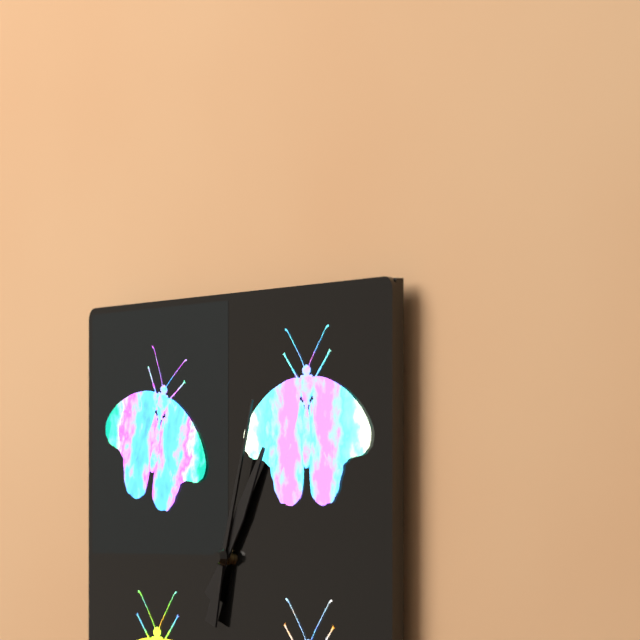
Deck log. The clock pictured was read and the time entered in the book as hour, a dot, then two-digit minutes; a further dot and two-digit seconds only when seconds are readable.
1.03
